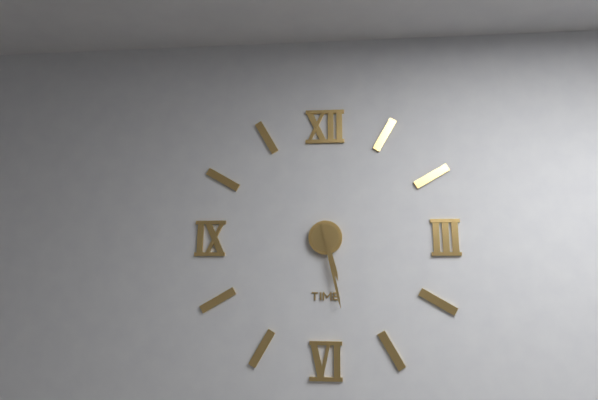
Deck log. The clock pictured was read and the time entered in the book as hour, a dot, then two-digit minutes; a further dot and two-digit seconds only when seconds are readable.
5.28
